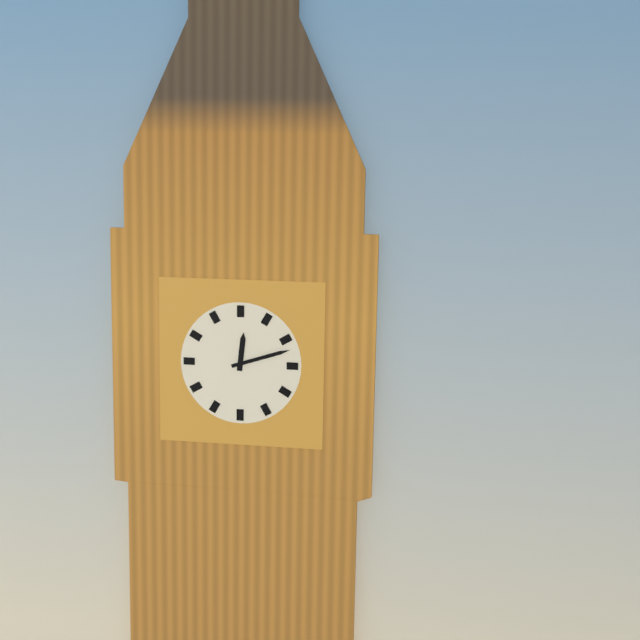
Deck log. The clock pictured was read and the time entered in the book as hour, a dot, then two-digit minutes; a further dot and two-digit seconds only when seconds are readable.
12.12
